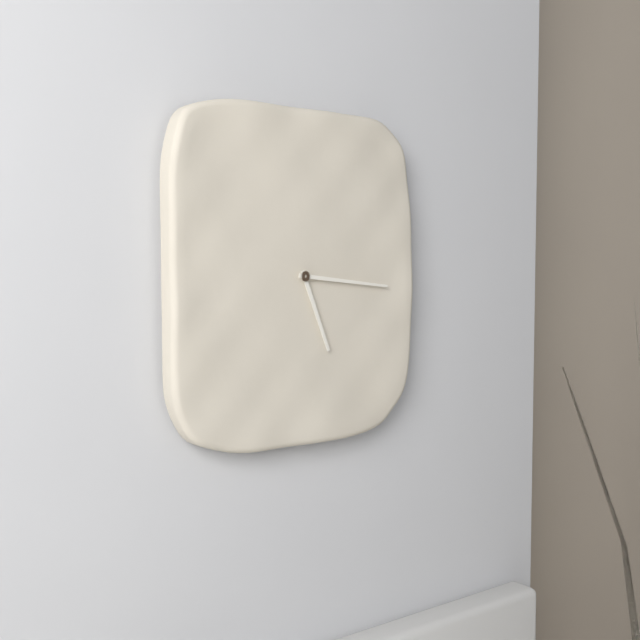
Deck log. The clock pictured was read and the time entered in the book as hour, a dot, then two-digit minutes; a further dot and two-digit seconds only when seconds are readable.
5.16
